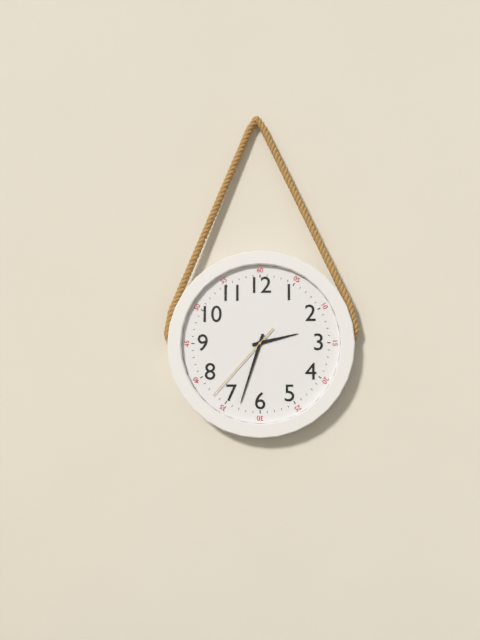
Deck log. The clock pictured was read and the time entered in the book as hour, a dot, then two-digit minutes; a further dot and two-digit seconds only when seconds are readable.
2.33.37
